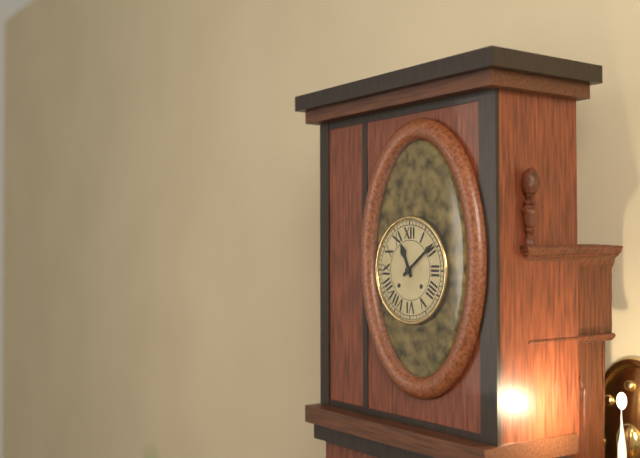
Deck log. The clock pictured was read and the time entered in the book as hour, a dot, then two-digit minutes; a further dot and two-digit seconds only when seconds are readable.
11.09
